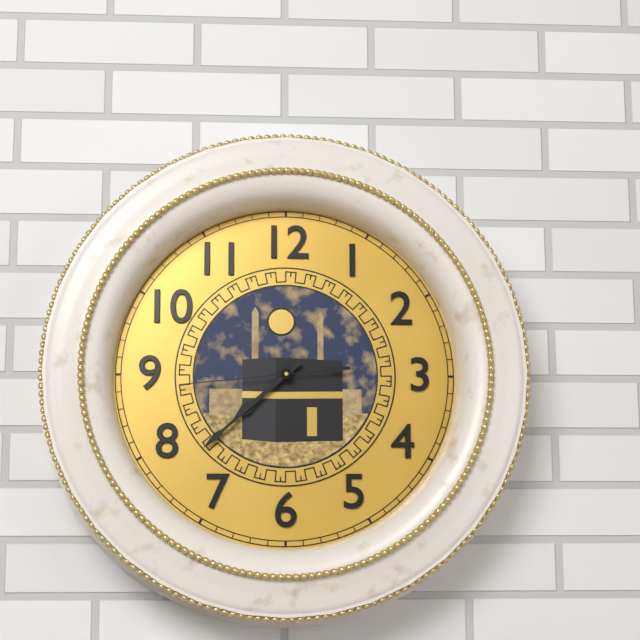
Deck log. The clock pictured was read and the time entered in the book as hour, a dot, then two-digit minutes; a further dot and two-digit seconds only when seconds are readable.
7.38.44
